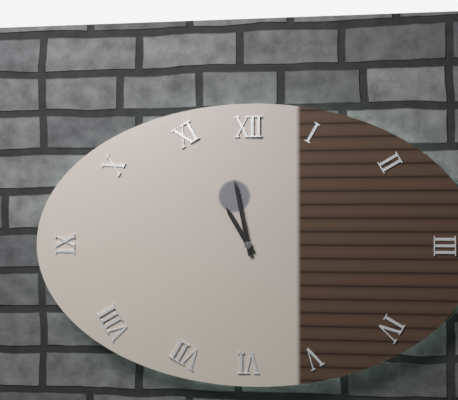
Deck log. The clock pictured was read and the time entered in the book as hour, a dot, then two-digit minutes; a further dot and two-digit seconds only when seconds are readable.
10.58
